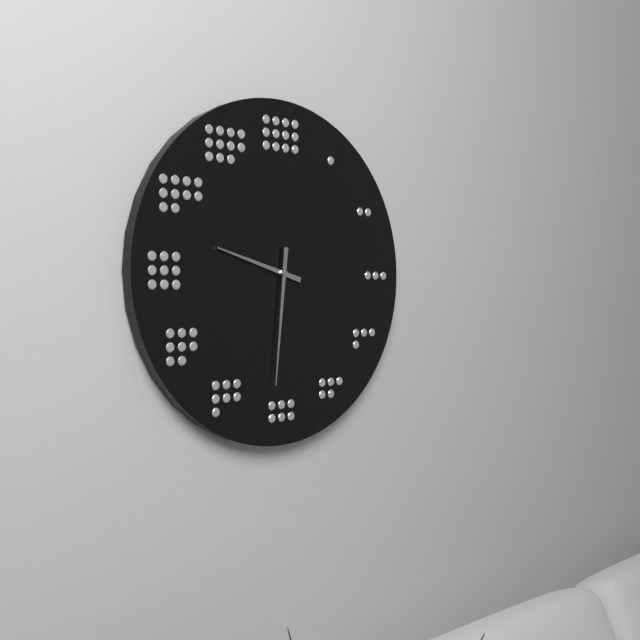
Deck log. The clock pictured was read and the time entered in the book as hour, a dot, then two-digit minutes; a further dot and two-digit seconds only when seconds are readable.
9.31
